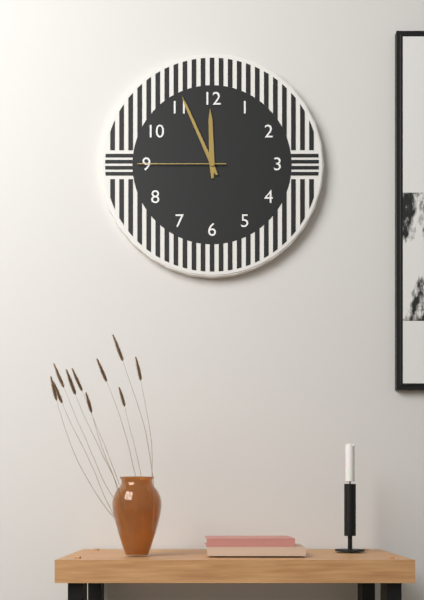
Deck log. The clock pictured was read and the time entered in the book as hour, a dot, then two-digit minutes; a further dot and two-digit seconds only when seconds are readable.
11.56.45
